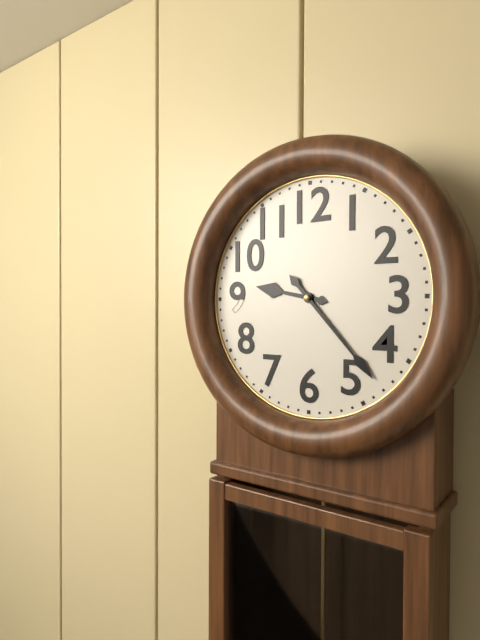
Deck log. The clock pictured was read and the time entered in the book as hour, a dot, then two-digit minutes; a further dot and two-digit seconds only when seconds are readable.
9.23
